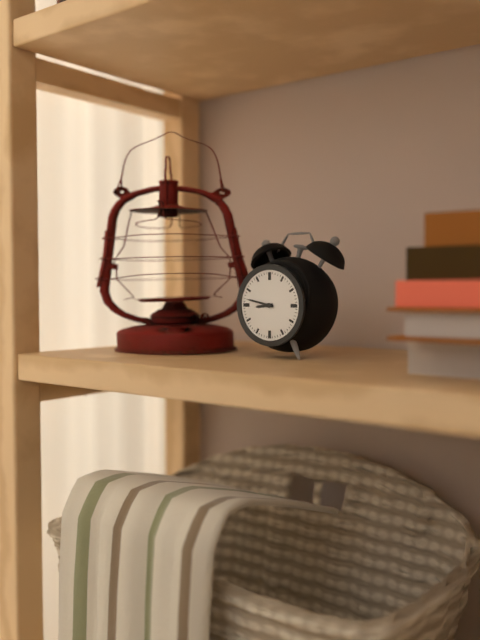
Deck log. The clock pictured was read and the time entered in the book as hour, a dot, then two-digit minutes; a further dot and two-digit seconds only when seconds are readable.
8.47
